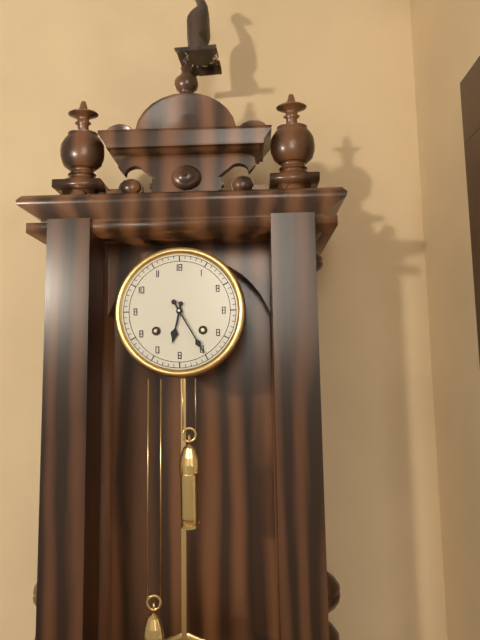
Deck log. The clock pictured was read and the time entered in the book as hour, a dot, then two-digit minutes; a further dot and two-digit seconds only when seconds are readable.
6.25
